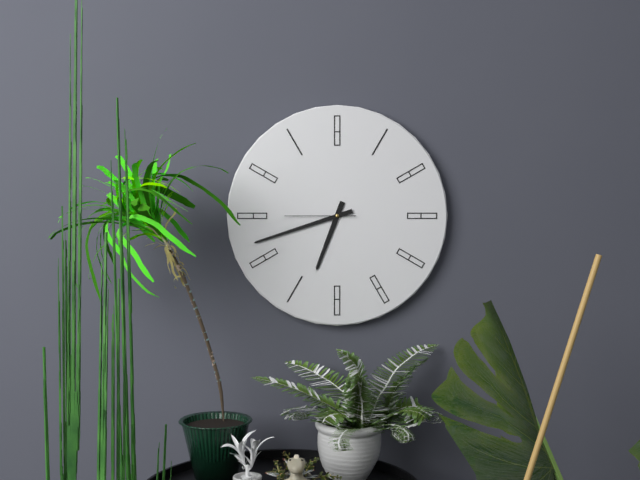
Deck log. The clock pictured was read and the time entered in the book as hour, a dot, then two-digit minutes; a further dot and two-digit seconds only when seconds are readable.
6.42.45
